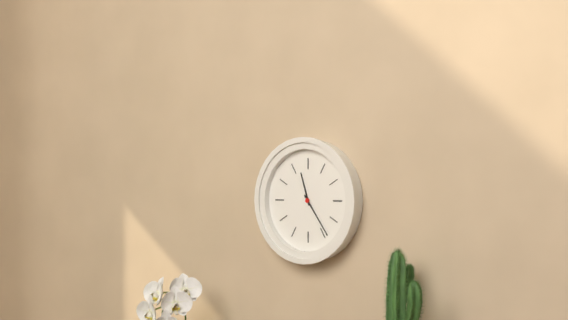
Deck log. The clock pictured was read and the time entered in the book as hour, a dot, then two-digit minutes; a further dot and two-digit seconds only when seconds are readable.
11.24
